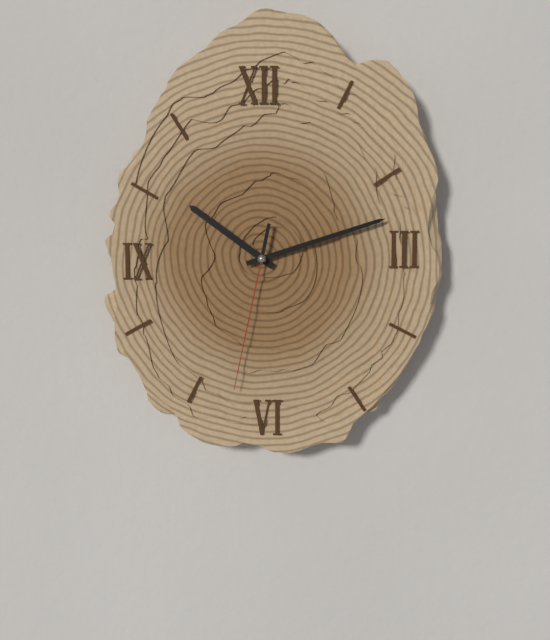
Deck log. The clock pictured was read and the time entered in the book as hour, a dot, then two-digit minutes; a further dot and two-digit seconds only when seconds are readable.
10.12.32
